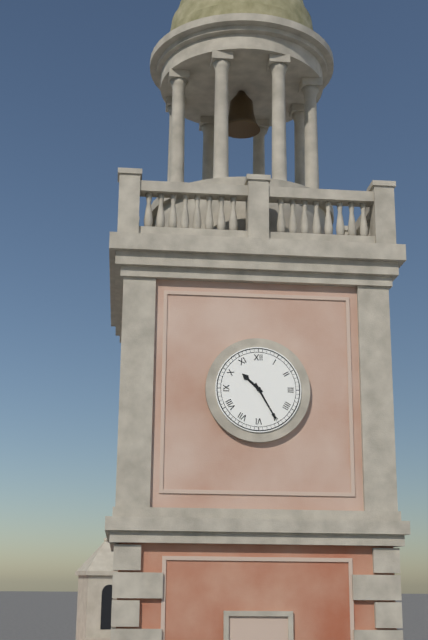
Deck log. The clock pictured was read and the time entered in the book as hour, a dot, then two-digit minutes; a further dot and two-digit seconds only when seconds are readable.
10.25
